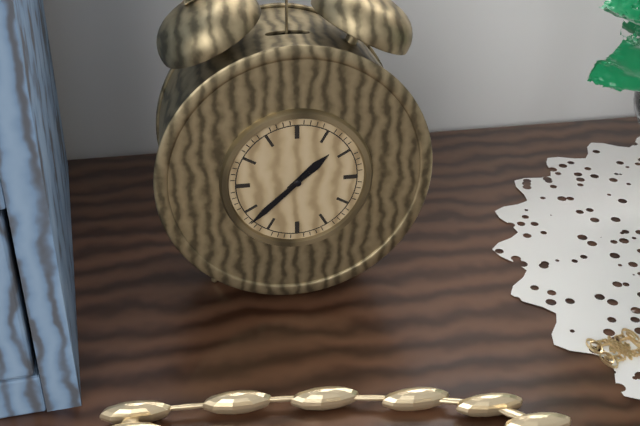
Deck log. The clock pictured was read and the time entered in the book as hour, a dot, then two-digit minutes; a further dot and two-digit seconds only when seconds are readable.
1.38
